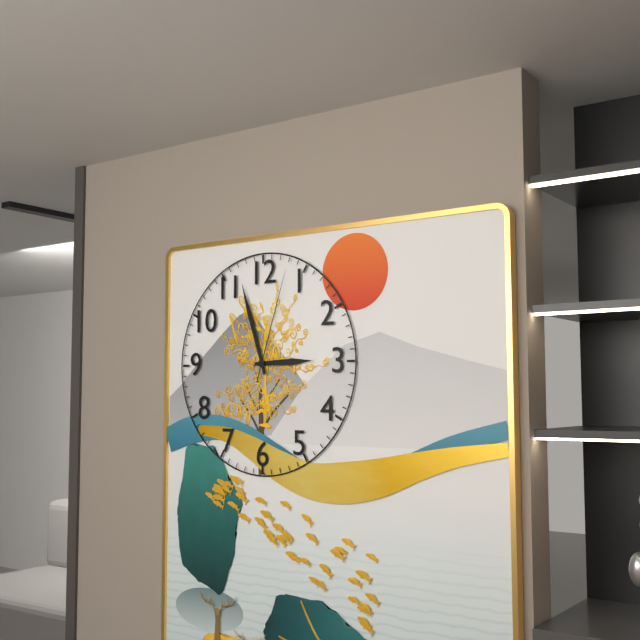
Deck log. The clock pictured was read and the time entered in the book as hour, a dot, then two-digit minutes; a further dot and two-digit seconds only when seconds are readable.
2.57.03
